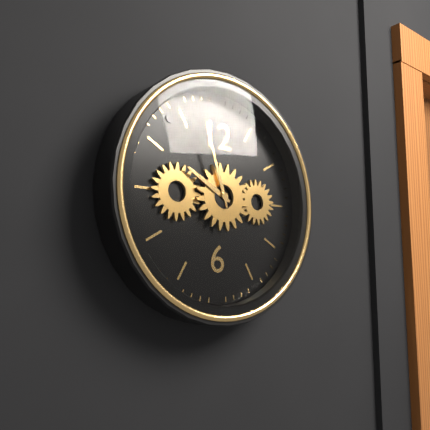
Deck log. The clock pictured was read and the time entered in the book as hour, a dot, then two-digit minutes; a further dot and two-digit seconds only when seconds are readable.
9.57
